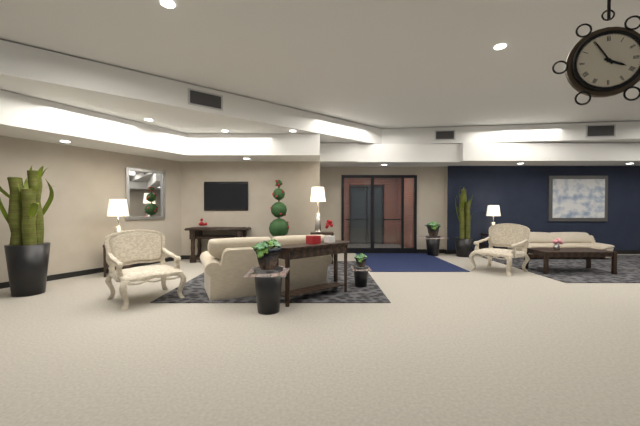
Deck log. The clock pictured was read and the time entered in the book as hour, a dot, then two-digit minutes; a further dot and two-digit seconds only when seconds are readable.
3.55
